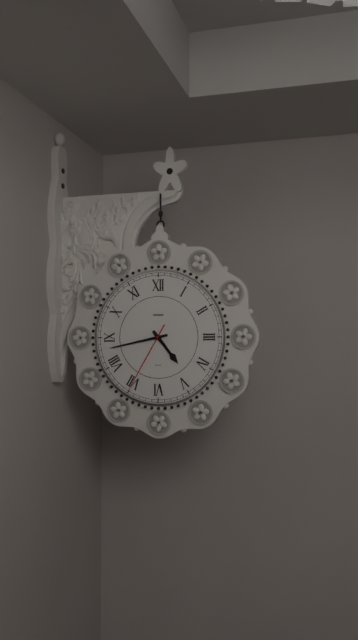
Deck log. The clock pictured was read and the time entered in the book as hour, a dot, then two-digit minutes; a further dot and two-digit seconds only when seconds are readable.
4.43.35
